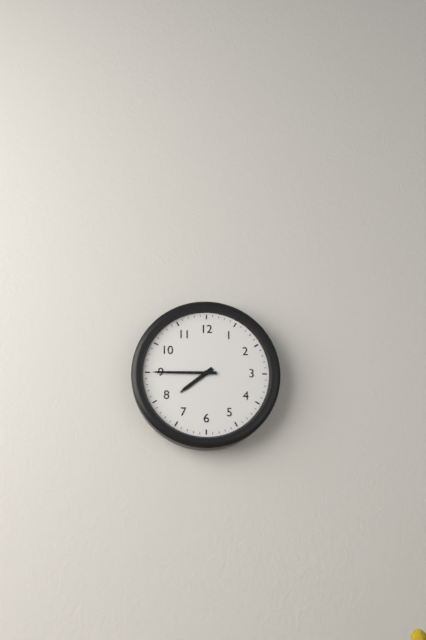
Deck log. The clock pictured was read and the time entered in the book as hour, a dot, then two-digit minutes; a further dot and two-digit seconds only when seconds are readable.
7.45
